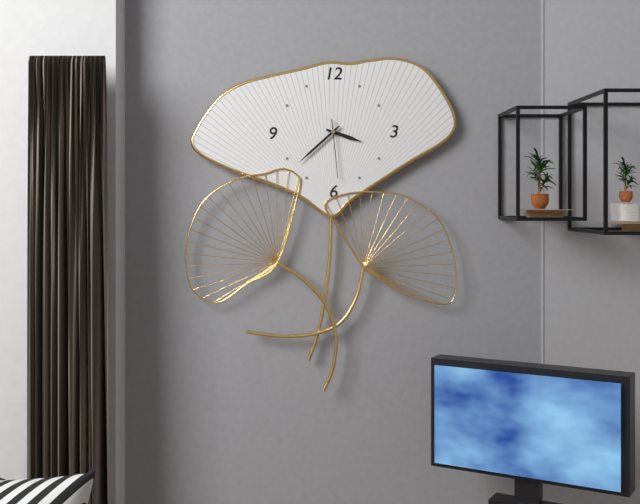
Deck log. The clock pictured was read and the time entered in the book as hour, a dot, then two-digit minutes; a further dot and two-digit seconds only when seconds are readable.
3.38.29
